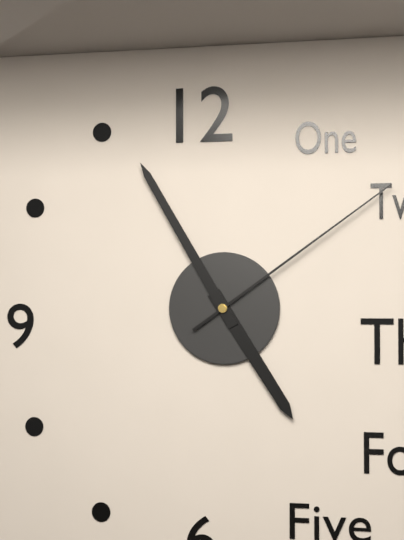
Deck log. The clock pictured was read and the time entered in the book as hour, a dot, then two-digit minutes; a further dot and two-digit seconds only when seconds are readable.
4.55.09
